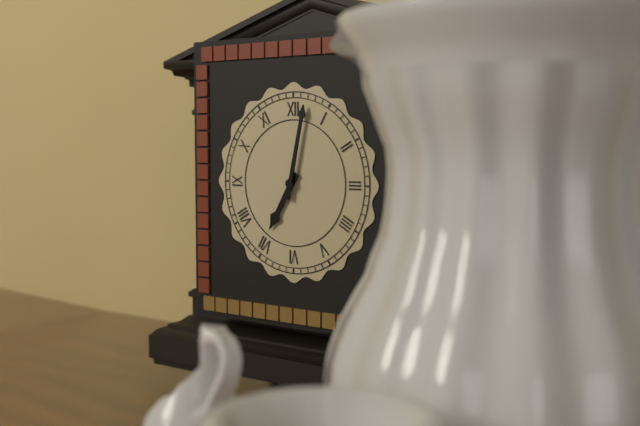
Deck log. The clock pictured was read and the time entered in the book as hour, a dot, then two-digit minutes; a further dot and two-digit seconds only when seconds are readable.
7.02
